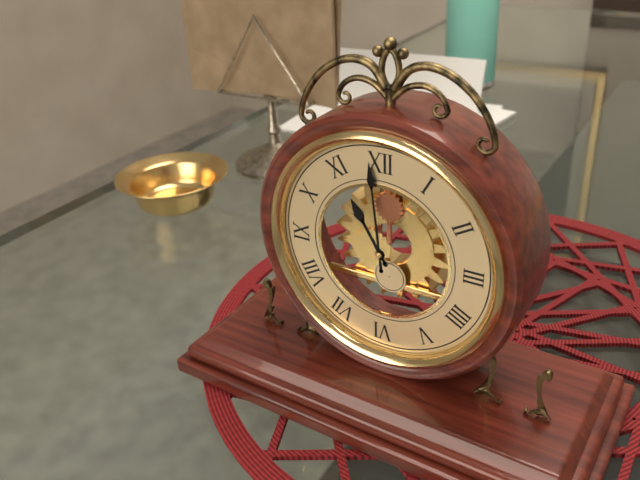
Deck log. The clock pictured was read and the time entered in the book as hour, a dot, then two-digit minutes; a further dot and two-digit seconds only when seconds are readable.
10.59
